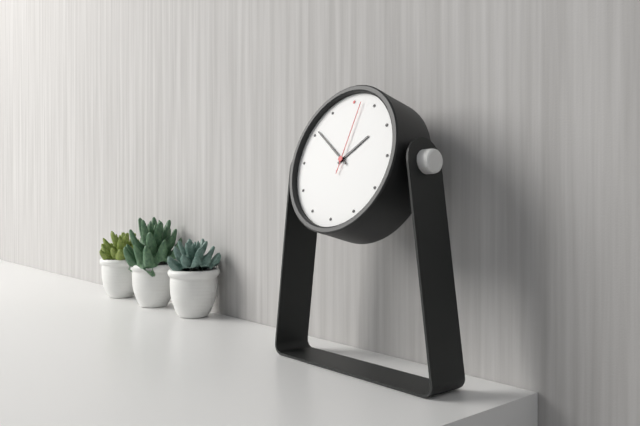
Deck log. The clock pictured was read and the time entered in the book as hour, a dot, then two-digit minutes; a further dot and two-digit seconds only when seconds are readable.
1.51.02
